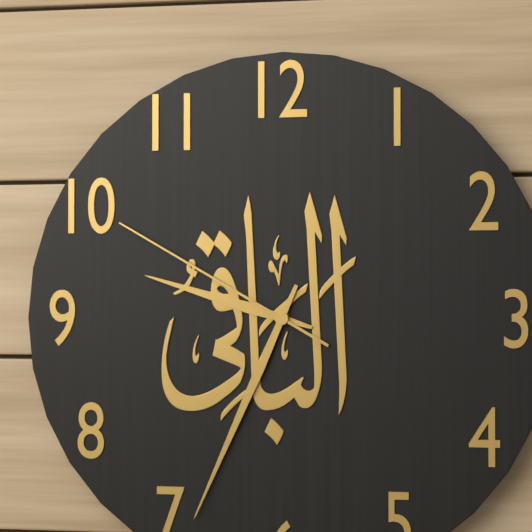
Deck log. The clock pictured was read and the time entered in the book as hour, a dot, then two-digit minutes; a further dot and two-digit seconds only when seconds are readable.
9.34.50
